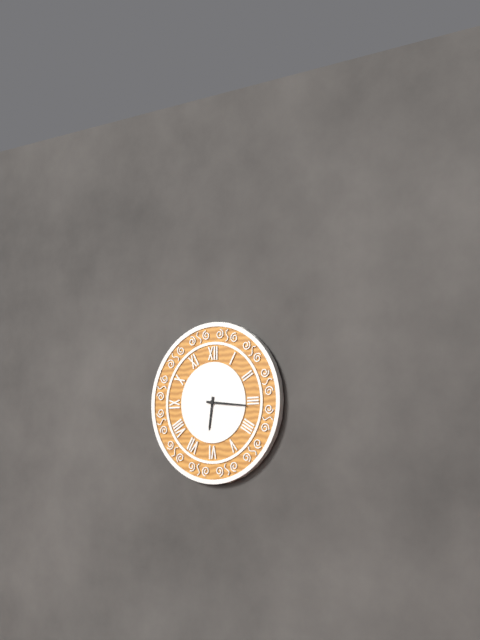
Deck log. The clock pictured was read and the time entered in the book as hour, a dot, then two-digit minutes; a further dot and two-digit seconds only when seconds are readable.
6.16
